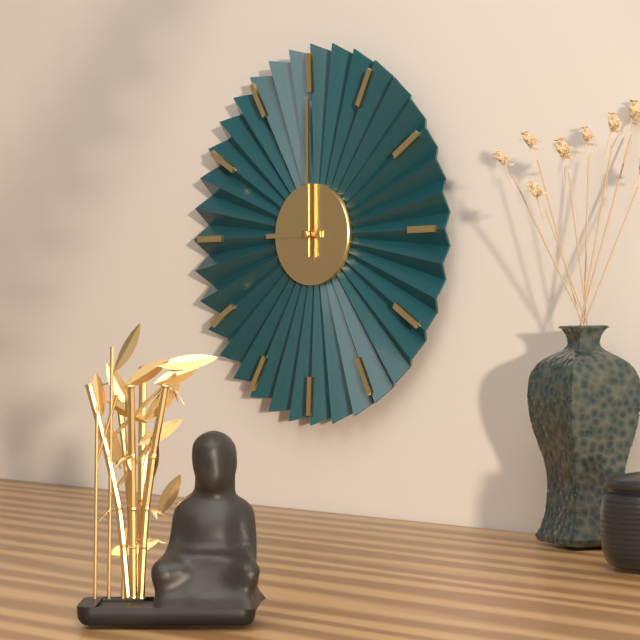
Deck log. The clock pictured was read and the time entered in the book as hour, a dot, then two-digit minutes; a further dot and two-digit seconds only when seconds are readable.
9.00
